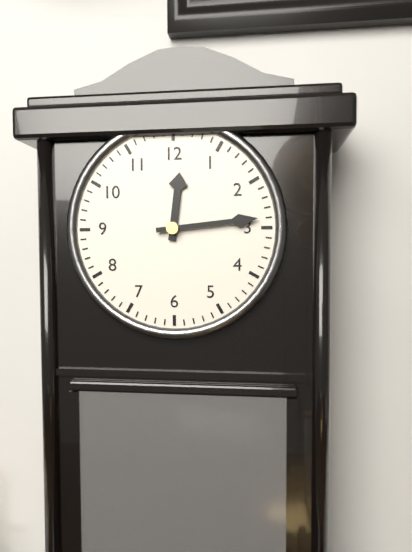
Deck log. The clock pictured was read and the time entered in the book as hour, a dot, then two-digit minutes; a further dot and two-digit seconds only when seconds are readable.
12.14
